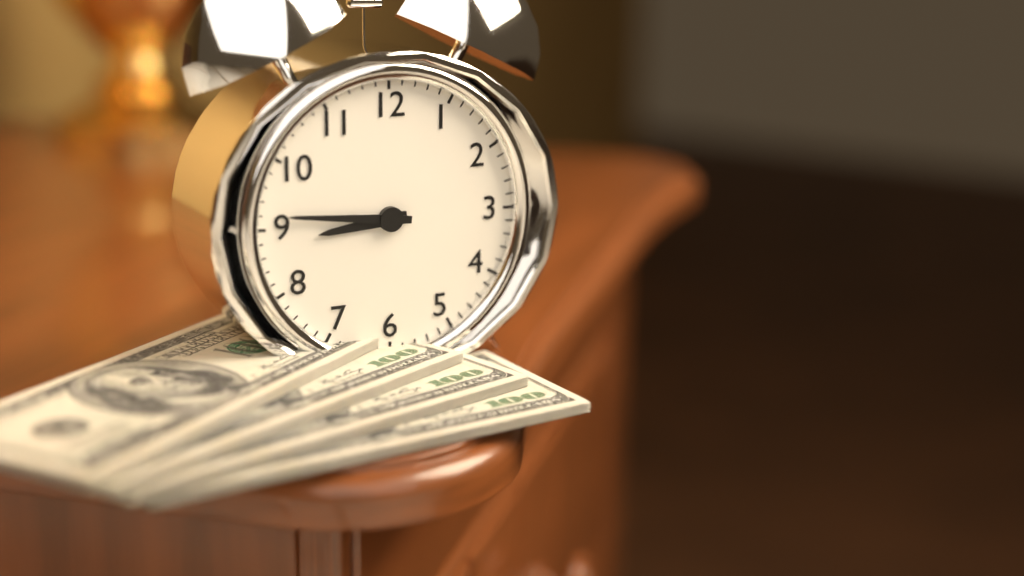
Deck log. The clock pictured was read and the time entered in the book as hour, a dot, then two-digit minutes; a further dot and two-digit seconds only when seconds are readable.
8.46
